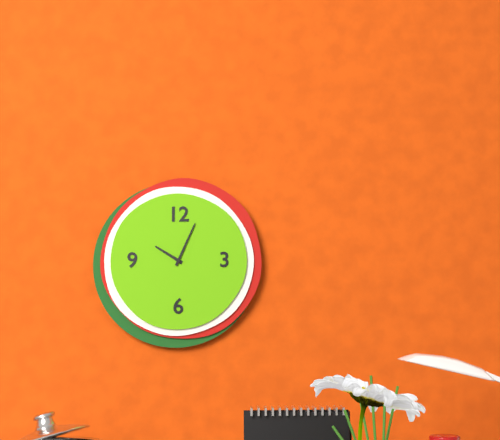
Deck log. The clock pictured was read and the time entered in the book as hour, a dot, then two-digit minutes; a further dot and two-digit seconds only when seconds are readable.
10.04
